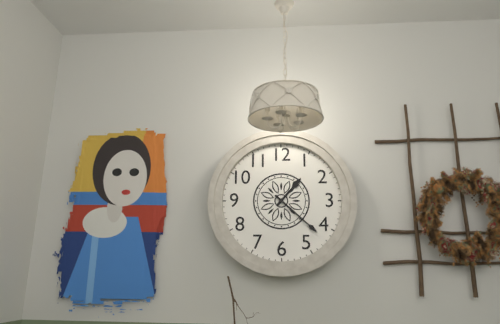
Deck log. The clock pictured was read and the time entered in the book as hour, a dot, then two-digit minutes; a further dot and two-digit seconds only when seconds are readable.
1.22
